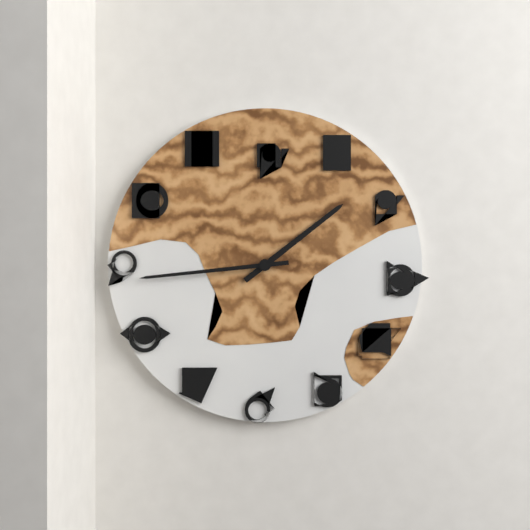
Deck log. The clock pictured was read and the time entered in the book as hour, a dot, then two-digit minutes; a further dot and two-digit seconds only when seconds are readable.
1.44
